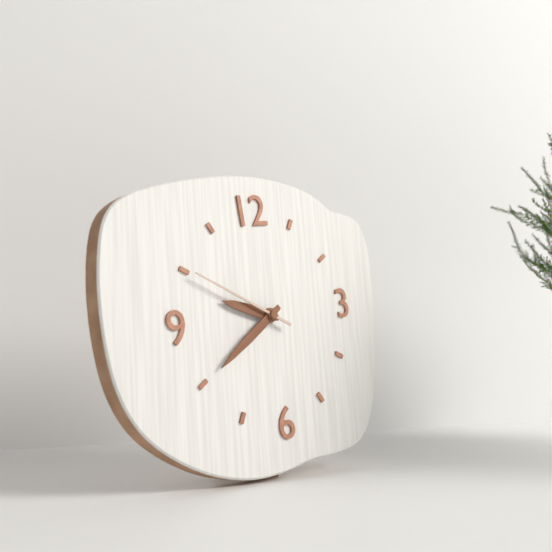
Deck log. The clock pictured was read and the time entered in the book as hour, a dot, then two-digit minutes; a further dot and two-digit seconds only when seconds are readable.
9.40.50
